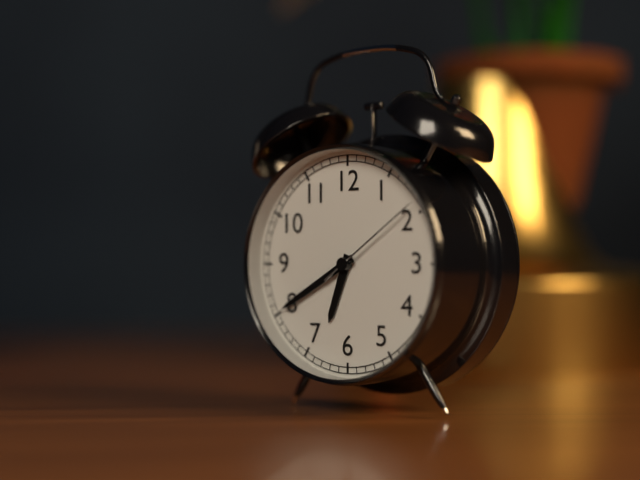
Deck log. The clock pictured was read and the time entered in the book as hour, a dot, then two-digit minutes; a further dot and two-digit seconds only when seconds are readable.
6.40.09
